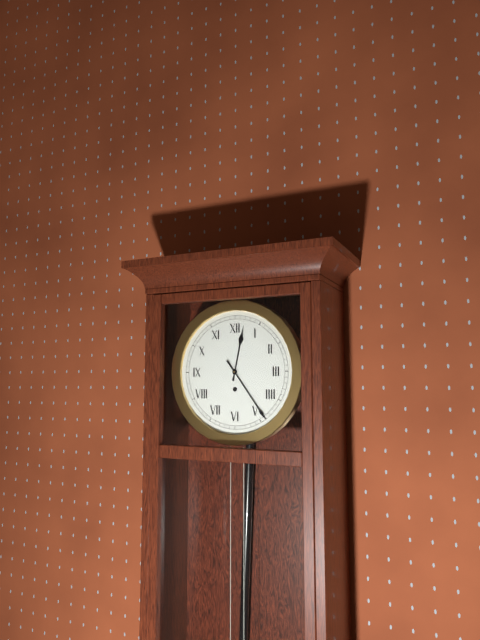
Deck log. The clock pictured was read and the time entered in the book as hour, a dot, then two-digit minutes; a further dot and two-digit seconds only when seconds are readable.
12.24
